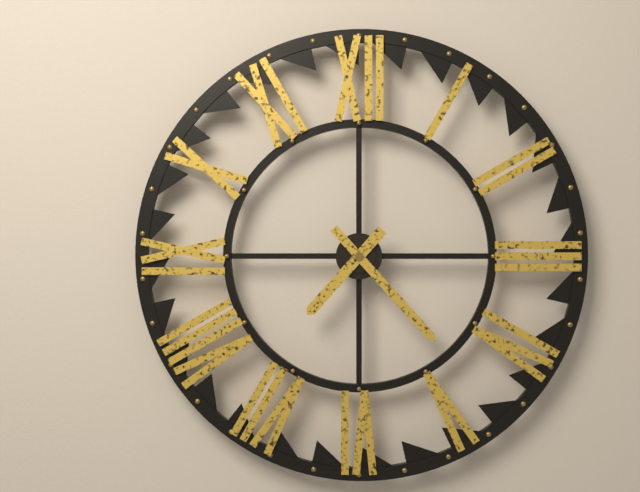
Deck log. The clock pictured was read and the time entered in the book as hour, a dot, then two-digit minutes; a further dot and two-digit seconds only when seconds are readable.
7.23
